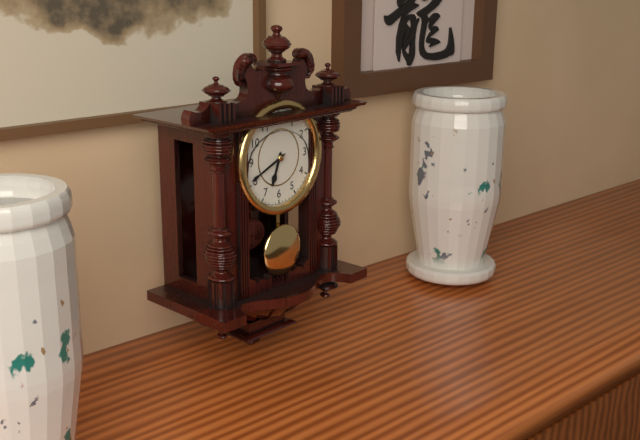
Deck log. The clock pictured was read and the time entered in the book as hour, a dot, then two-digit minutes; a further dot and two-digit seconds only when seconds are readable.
6.41
